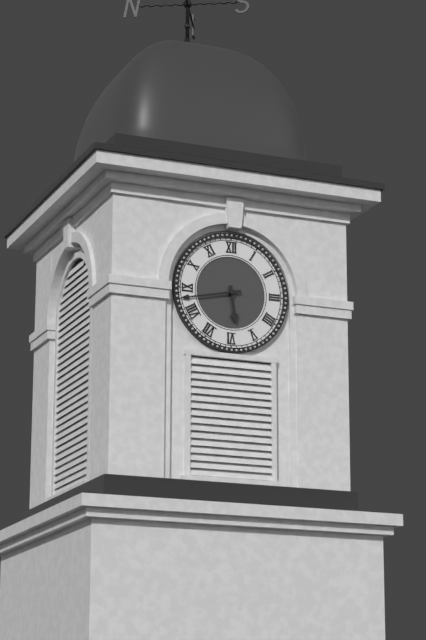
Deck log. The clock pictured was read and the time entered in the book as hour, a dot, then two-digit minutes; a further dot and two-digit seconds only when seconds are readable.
5.43
